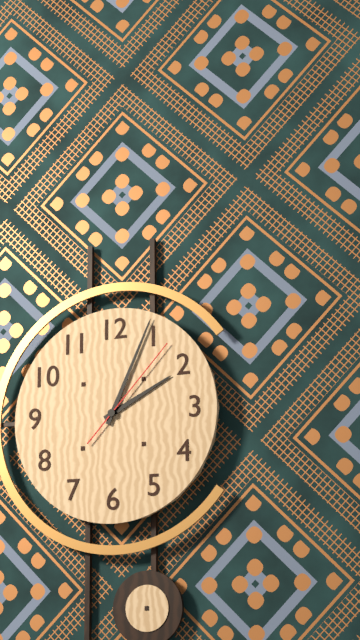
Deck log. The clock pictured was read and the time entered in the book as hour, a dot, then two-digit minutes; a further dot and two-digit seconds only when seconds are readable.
2.04.07
